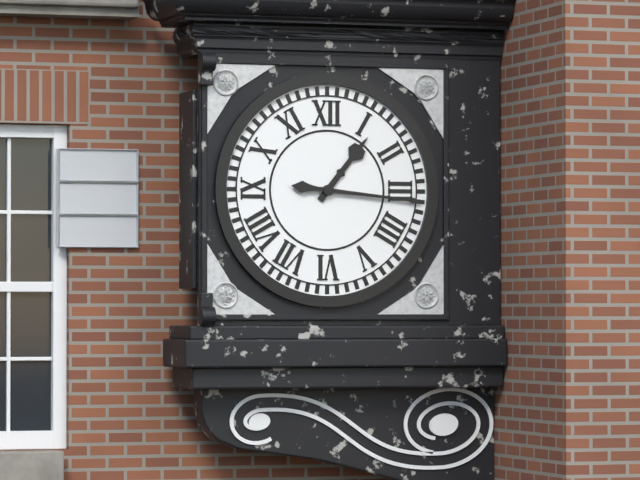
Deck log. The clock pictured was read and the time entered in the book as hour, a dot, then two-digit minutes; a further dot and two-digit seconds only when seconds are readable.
1.16
